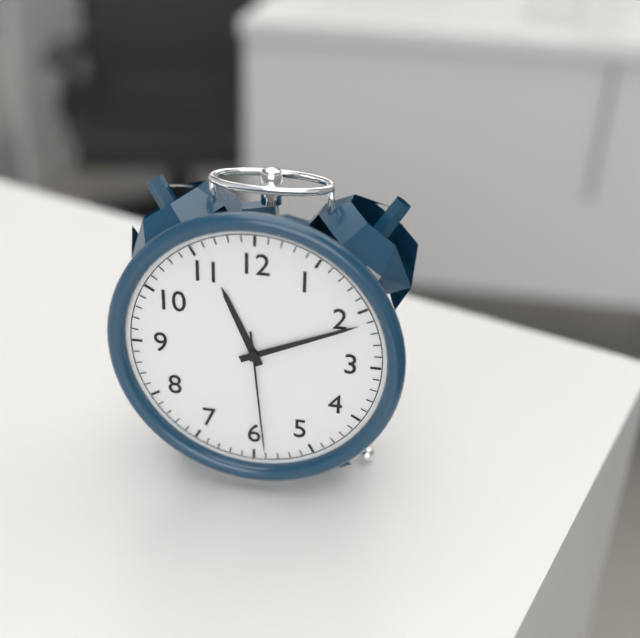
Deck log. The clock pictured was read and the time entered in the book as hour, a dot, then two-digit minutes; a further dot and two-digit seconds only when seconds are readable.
11.11.29
